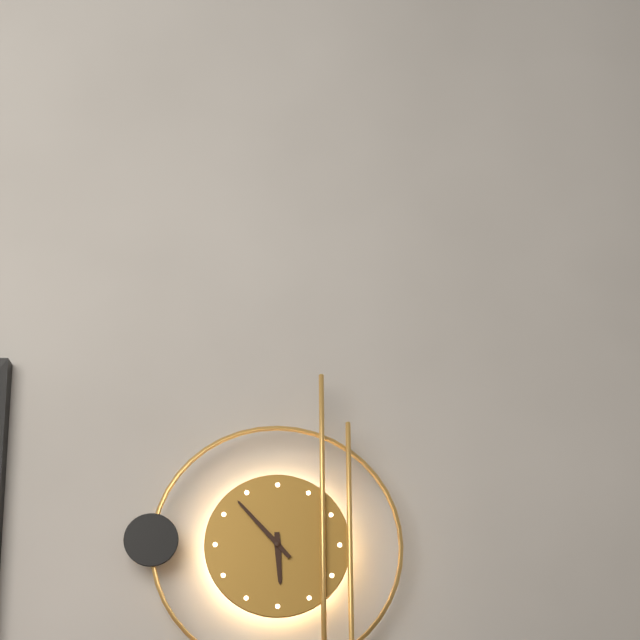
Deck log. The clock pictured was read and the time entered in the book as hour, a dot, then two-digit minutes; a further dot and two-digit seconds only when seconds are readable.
5.53
